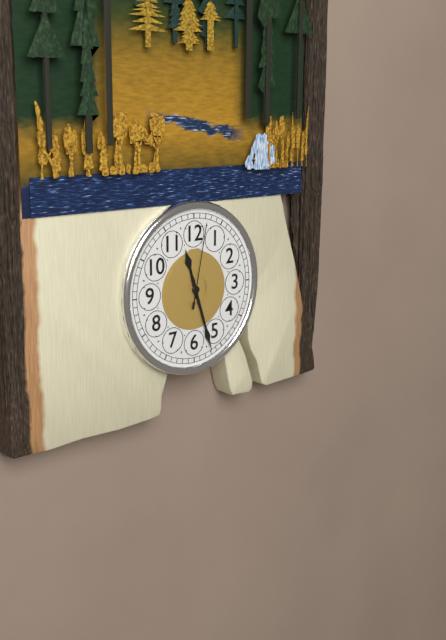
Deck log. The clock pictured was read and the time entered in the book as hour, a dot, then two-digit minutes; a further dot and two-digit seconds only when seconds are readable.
11.27.02
